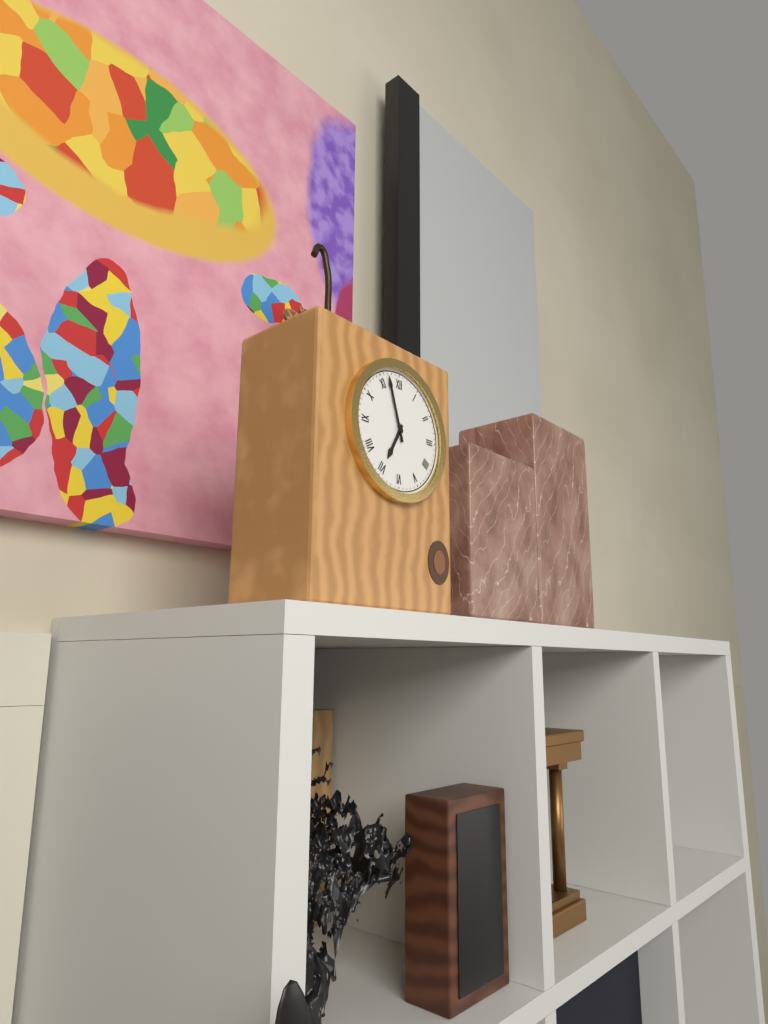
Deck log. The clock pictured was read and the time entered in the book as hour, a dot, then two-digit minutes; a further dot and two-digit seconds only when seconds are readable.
6.57
